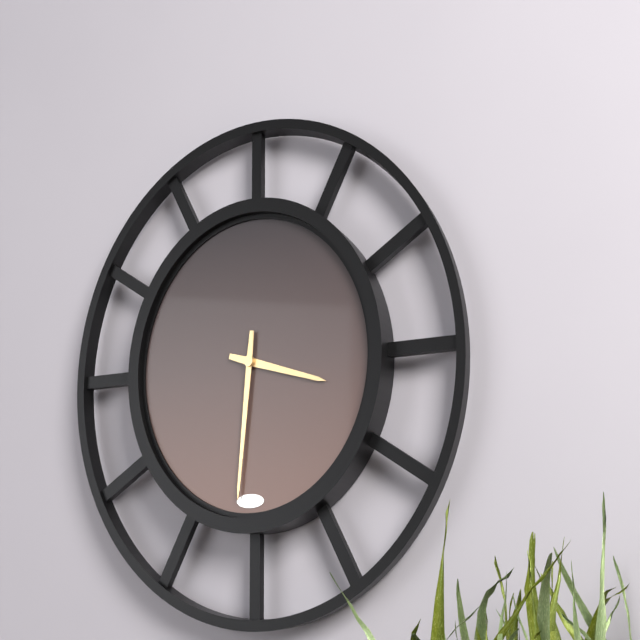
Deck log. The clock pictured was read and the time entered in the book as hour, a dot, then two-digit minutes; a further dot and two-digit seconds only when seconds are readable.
3.31
